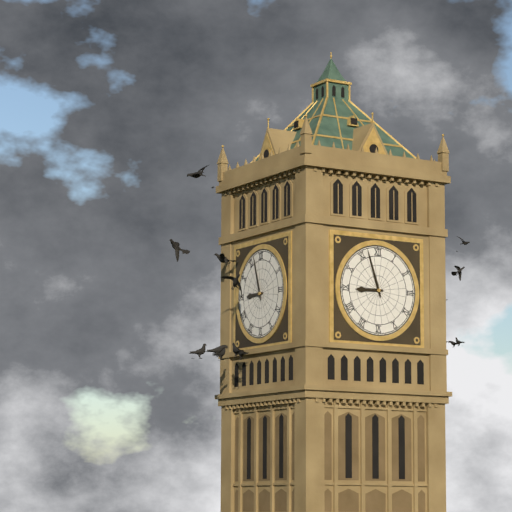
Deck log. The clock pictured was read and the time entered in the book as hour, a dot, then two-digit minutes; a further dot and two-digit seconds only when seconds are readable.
8.57
